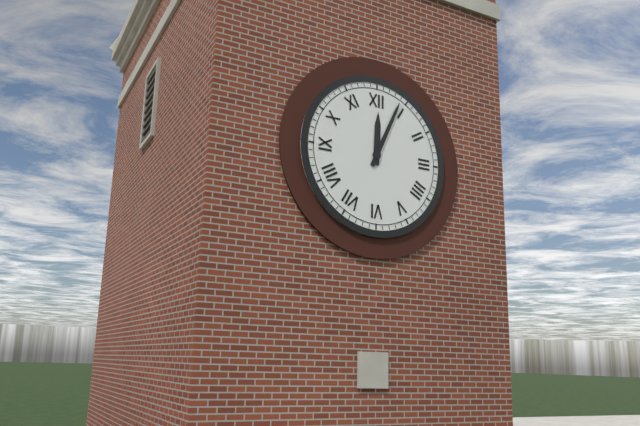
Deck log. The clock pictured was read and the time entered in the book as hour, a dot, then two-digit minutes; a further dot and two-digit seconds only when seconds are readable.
12.04
